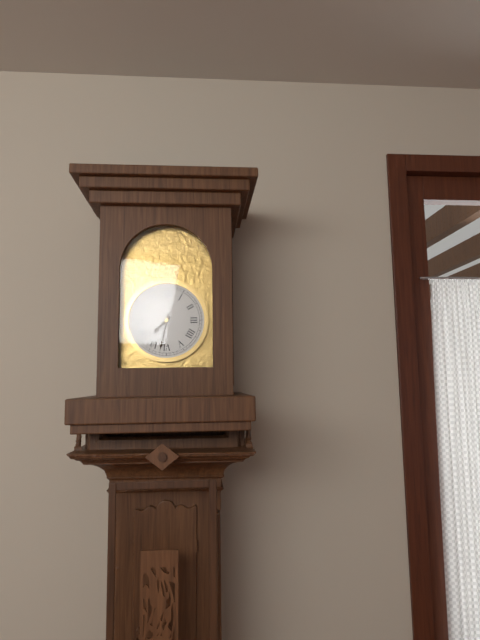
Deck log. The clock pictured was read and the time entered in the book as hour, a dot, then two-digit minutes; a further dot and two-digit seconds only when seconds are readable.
7.32
